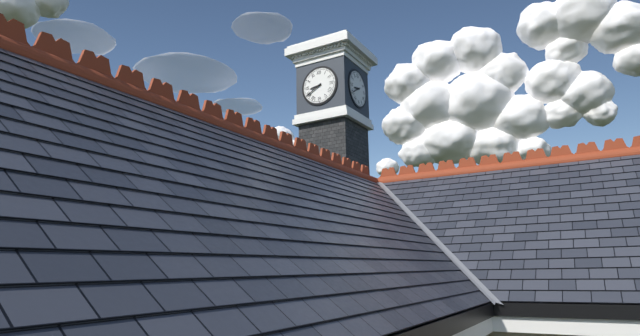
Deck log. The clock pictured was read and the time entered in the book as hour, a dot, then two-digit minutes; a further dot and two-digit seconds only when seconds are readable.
8.40
